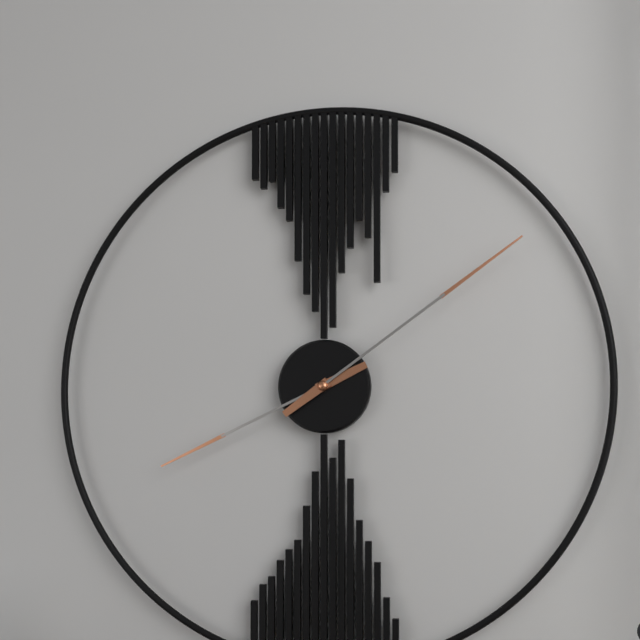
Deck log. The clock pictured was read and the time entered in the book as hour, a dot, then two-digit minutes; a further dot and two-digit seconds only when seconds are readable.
8.09
